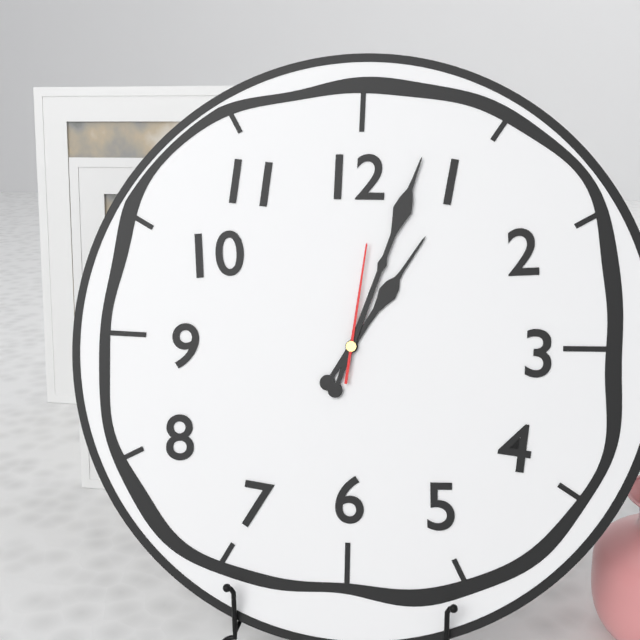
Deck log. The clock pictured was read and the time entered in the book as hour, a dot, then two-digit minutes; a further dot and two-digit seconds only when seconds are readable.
1.03.01
